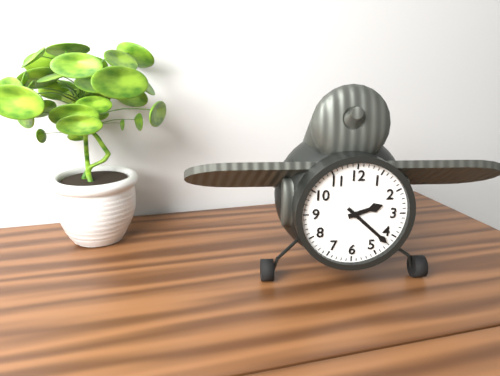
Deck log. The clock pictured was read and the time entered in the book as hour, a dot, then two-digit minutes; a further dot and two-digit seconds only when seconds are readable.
2.22
